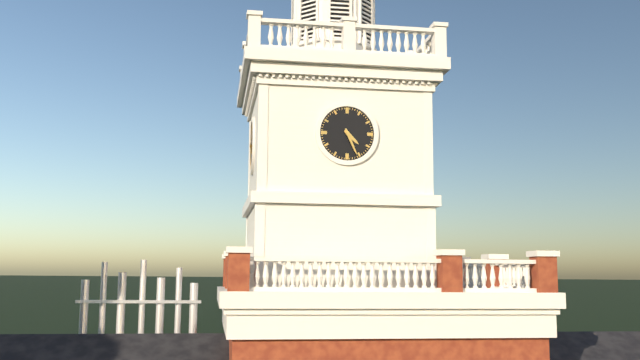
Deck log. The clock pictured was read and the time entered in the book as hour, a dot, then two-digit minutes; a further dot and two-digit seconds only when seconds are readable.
4.26
